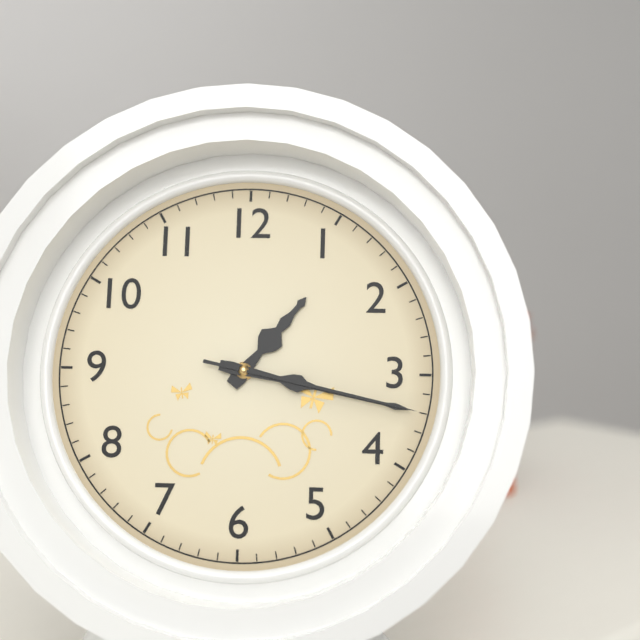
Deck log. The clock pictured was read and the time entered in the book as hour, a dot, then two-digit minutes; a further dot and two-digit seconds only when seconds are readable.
1.17.17
